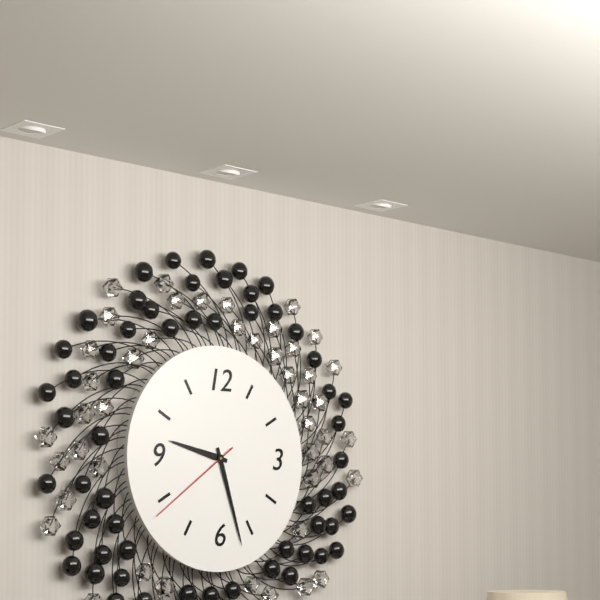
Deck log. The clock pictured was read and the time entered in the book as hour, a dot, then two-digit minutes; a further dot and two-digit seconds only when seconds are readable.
9.27.39
